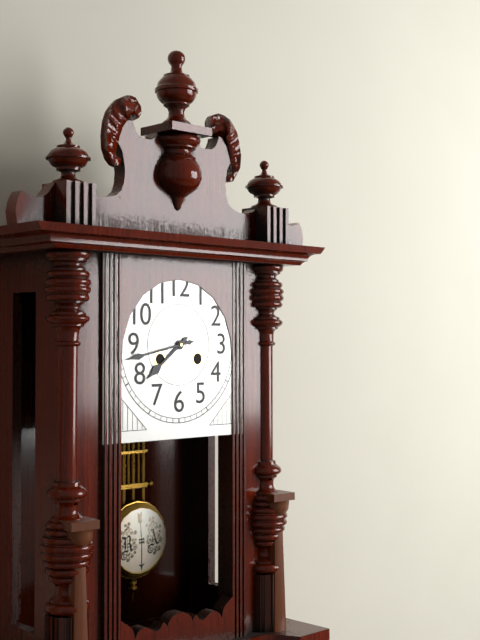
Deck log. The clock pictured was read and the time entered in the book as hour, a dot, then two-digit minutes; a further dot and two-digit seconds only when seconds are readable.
7.43
